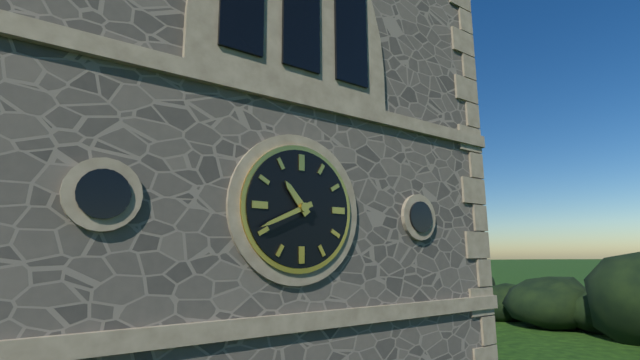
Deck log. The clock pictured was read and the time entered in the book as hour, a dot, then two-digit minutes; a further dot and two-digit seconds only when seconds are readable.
10.41
